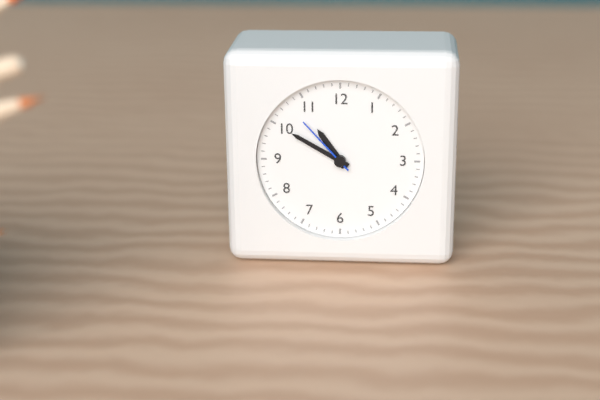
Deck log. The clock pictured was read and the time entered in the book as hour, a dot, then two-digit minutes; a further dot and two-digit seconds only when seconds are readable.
10.50.53
